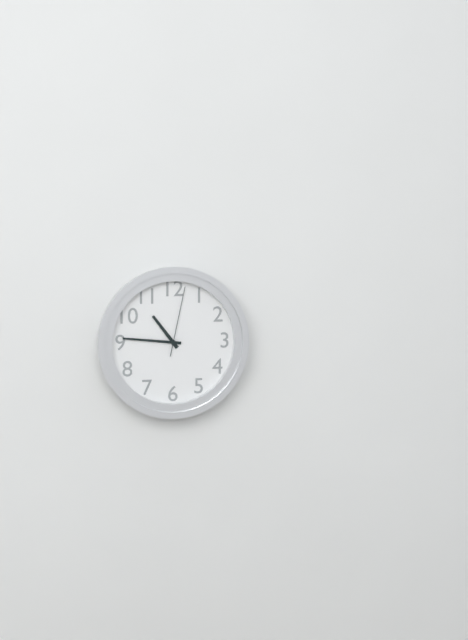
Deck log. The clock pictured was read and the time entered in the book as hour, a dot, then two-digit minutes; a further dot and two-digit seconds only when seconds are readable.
10.46.02
